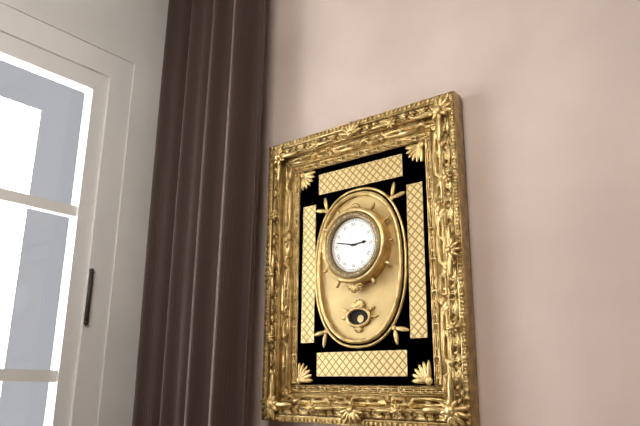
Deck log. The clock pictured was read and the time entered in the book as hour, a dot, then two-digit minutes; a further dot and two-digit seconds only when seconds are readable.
2.47
